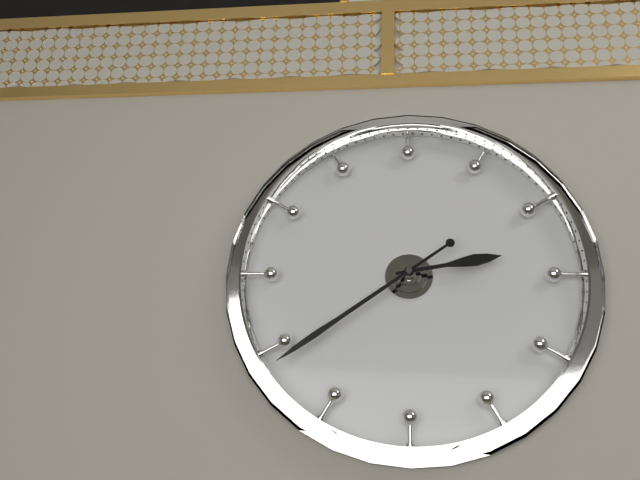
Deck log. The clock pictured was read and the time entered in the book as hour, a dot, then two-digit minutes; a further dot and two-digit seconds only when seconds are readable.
2.39
